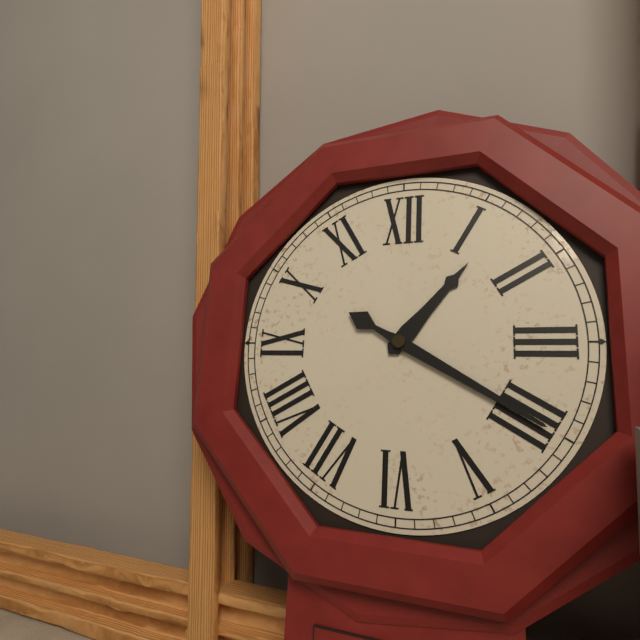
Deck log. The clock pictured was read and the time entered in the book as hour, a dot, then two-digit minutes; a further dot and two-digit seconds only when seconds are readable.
1.20
